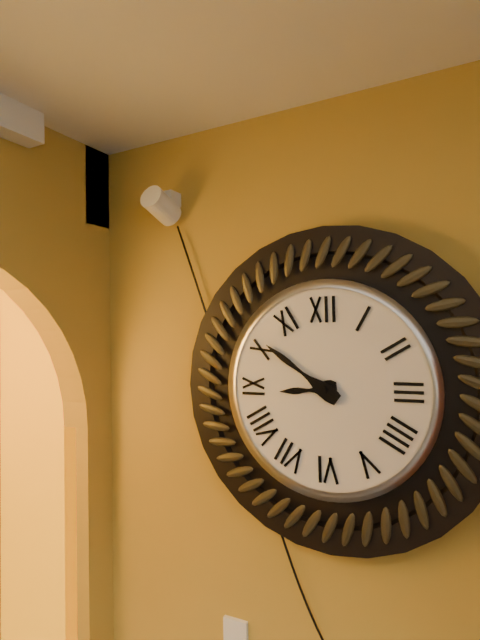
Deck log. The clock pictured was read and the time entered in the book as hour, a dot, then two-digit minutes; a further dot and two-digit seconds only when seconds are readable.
8.51
